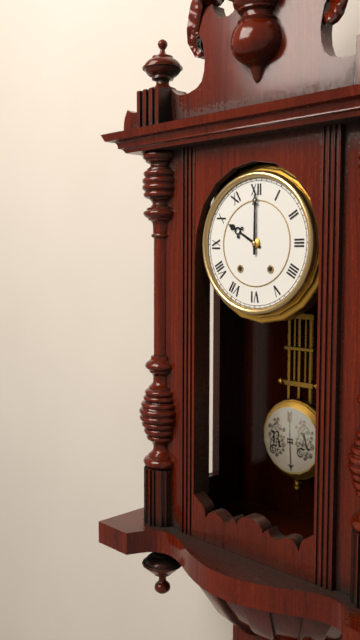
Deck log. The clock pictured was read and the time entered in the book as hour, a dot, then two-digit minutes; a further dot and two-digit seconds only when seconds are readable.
10.00
